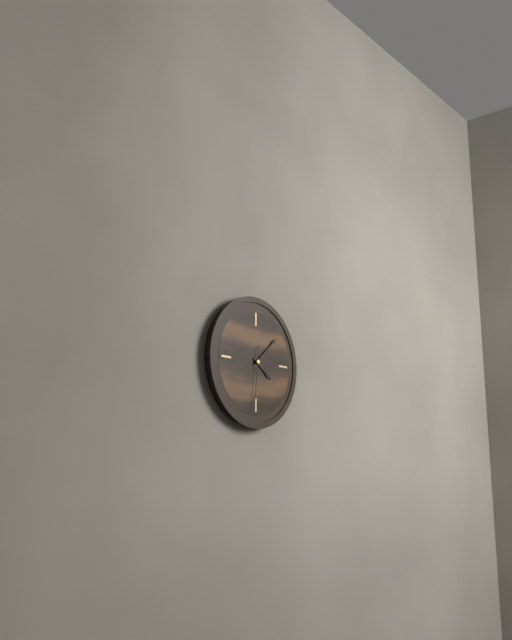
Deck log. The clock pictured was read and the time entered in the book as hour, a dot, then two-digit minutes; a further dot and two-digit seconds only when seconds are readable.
4.08.31
